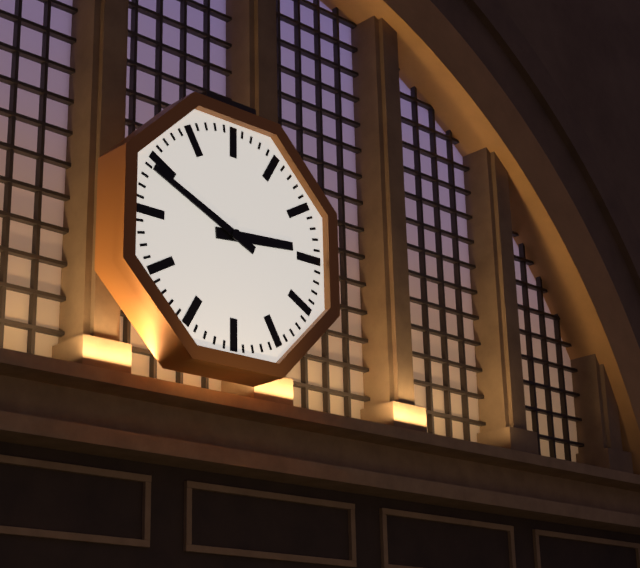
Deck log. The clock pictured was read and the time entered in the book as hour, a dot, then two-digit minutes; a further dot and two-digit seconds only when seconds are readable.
2.49
